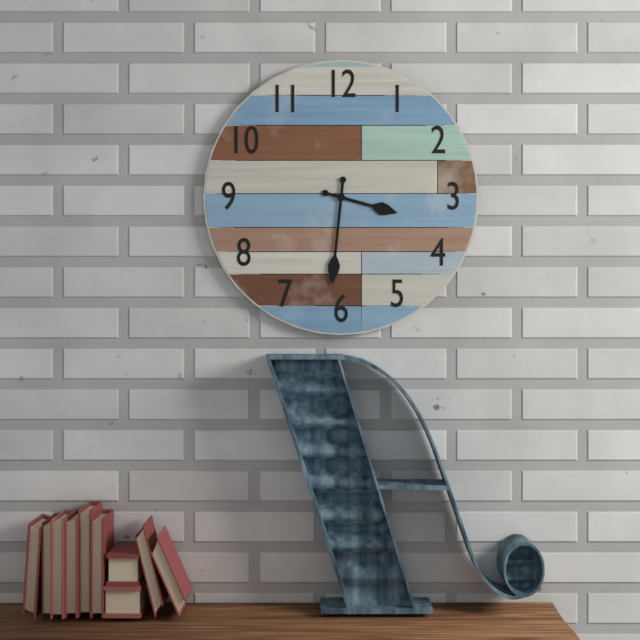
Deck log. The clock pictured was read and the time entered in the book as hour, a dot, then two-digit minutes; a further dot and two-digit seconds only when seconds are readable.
3.31
